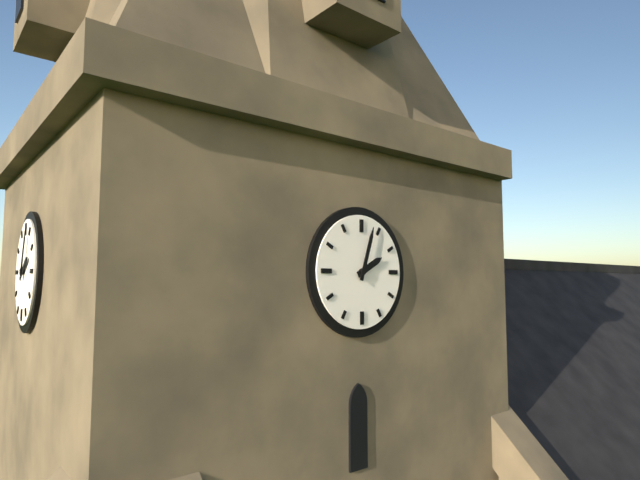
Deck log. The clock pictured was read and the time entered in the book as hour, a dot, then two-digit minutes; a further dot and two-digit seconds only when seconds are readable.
2.03
